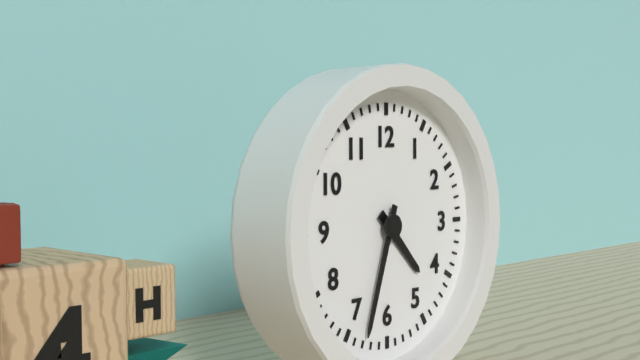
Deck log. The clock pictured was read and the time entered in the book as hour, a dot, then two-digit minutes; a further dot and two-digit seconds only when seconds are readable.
4.33
